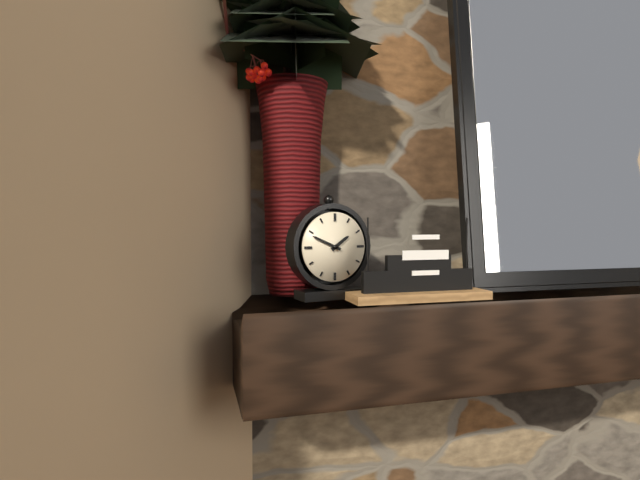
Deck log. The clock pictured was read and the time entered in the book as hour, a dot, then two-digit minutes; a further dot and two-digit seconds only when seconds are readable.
1.49
